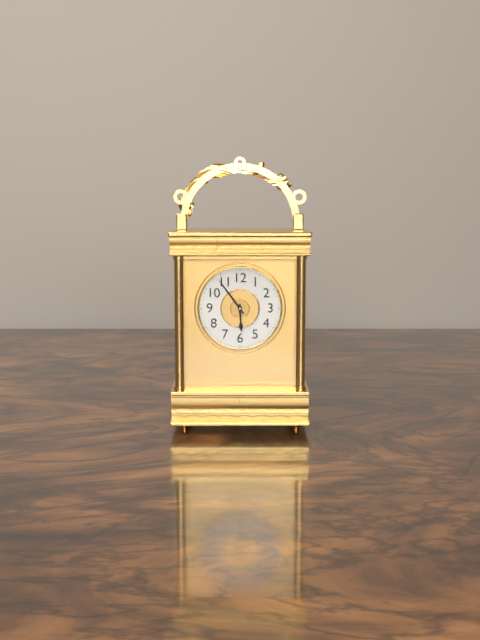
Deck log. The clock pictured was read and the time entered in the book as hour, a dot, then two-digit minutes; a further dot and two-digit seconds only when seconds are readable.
5.54
